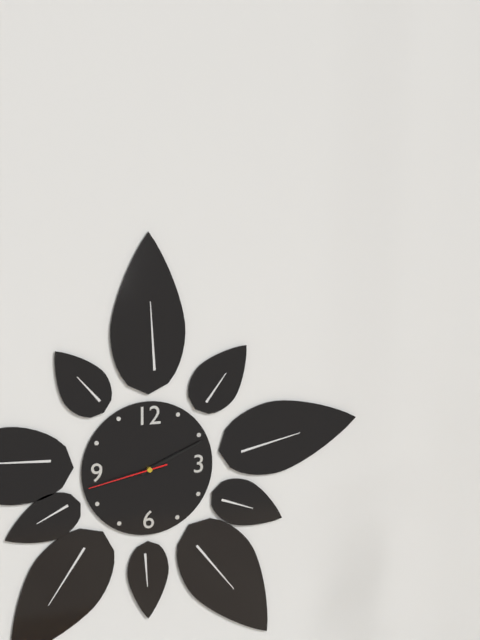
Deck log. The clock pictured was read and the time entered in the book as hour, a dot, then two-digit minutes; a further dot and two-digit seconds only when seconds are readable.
2.11.43
